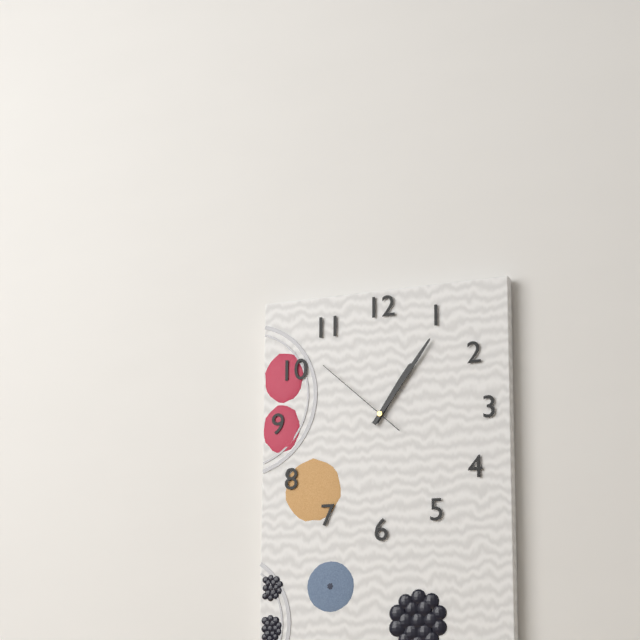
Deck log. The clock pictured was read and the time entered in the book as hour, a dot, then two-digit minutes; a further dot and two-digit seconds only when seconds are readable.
1.06.52
